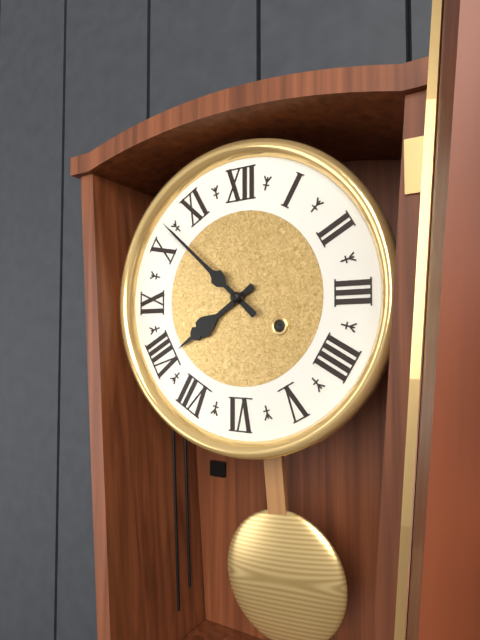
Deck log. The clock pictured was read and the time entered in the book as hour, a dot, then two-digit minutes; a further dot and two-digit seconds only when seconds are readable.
7.52
